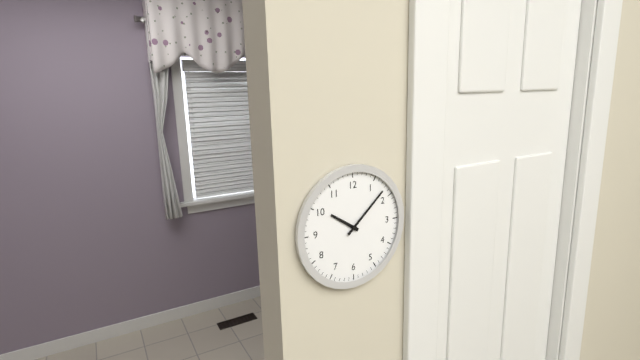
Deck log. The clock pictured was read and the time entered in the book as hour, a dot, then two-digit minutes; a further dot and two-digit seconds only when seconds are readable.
10.08
